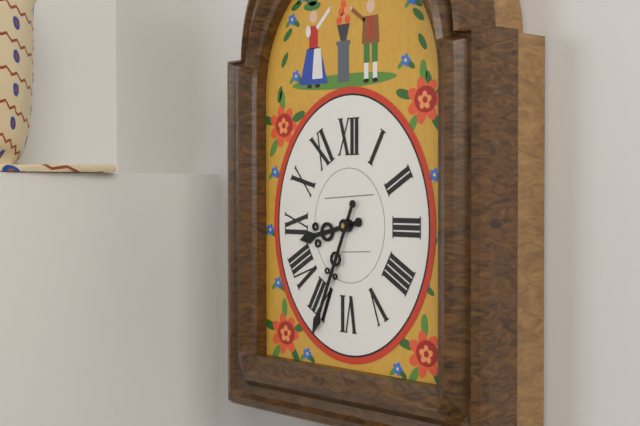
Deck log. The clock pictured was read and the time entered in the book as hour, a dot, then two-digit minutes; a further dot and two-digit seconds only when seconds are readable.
8.34
